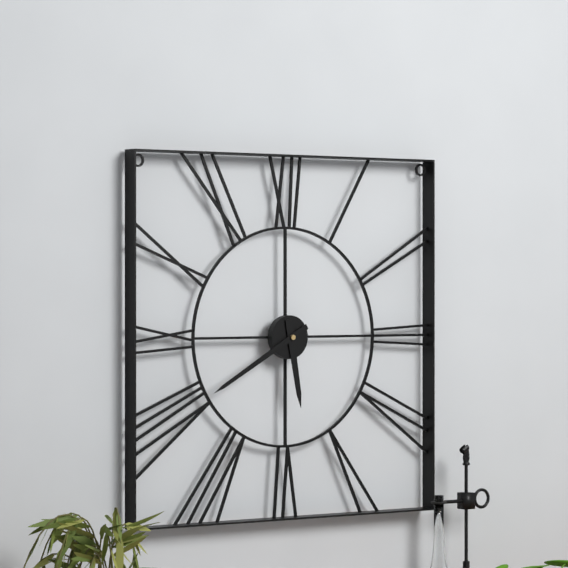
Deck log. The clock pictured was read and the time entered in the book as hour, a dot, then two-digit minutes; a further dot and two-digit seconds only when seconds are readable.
5.40
